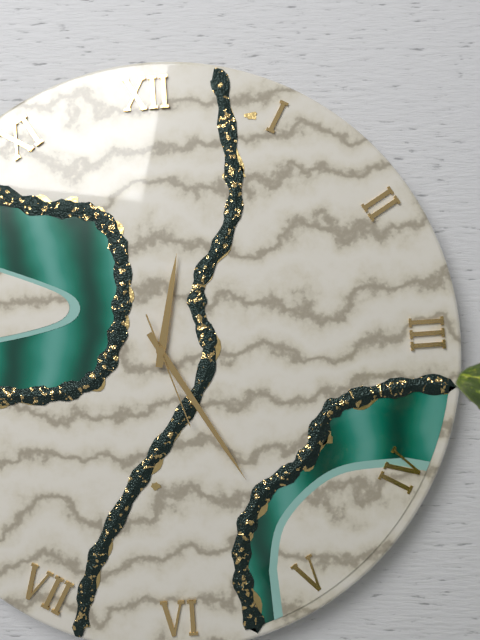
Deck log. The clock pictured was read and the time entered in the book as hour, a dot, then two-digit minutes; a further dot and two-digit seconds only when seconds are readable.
12.25.27
